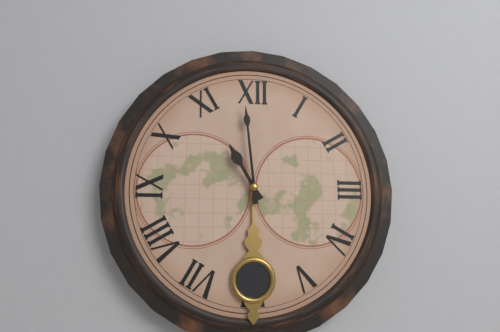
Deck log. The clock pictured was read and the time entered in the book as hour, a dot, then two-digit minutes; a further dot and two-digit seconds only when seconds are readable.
10.59
